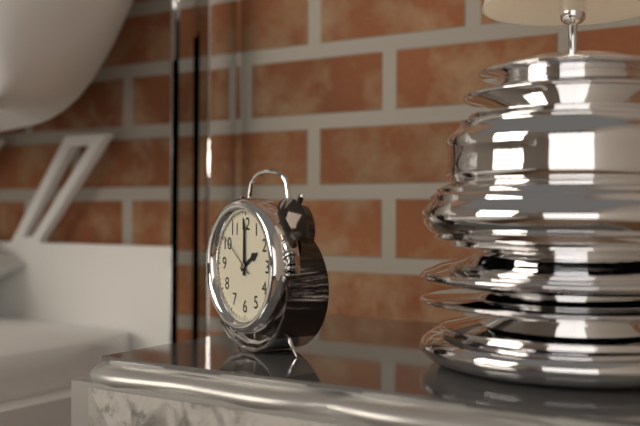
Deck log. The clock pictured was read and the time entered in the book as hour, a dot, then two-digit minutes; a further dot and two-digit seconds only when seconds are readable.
2.00
